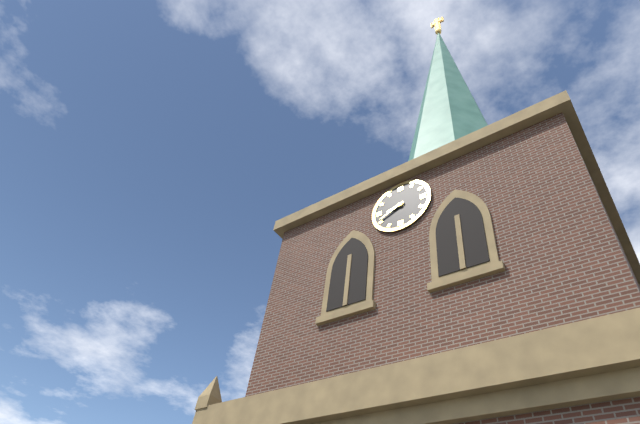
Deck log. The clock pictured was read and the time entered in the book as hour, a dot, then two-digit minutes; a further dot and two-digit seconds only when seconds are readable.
8.41
